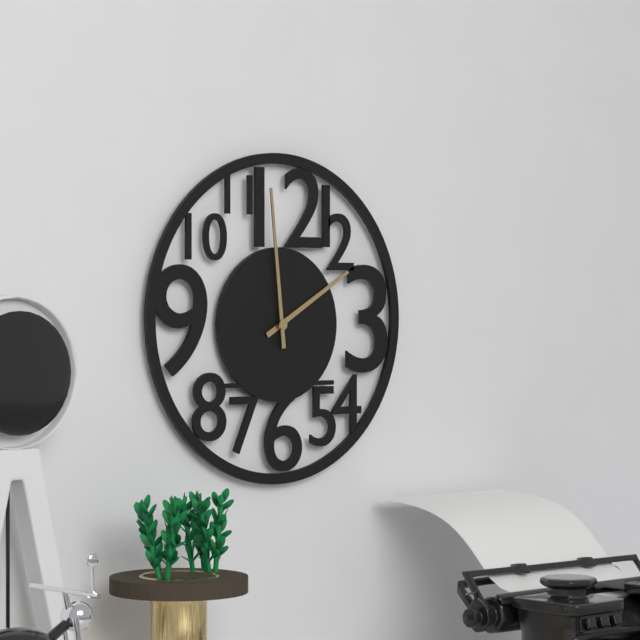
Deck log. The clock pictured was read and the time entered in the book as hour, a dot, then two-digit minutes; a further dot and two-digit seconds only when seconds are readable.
1.59
